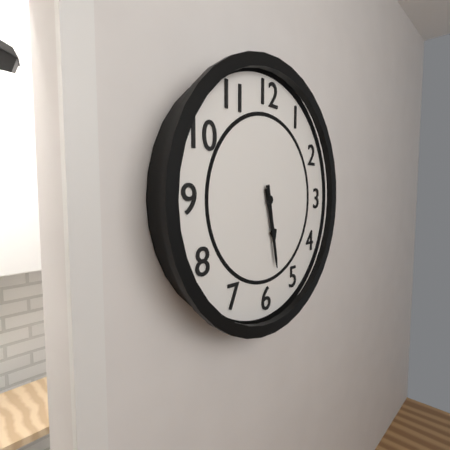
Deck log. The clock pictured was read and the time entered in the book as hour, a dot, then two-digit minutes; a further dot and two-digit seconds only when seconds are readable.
5.28
